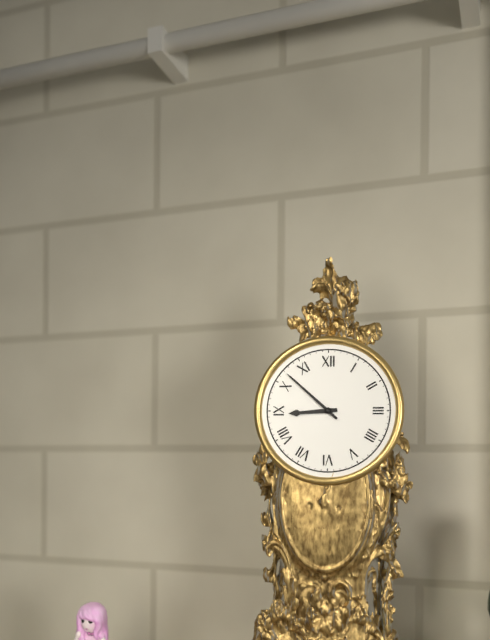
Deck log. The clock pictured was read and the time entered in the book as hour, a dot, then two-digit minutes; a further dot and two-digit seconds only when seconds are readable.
8.52
